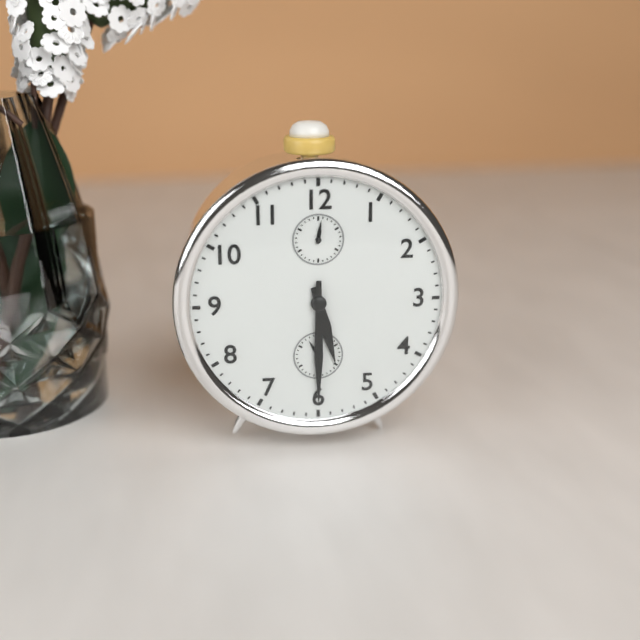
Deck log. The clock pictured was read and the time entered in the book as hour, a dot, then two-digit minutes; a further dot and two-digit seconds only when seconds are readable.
5.30
